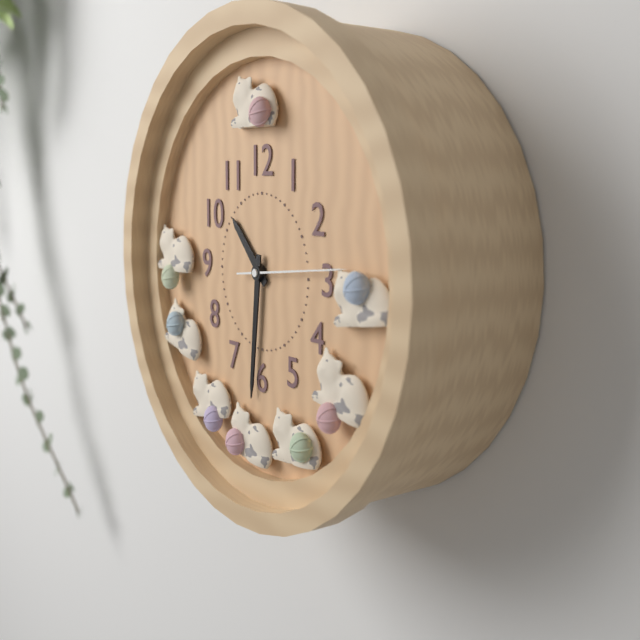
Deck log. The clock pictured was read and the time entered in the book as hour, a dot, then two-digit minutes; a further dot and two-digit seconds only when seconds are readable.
10.31.14
